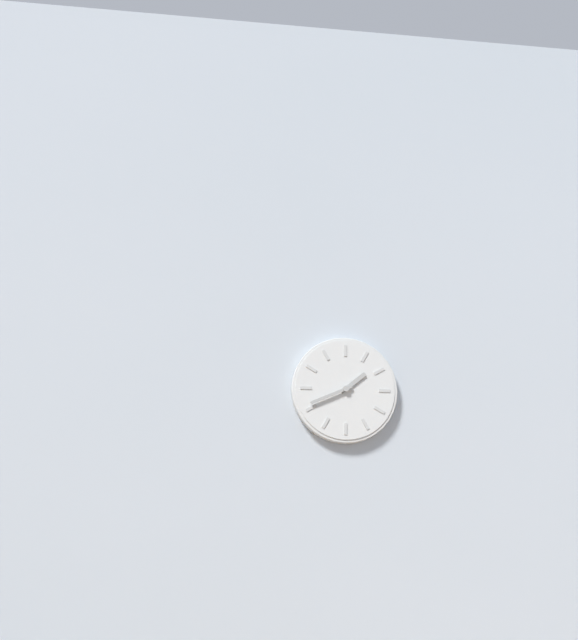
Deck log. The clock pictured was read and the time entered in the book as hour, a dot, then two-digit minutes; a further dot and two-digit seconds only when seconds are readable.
1.41
